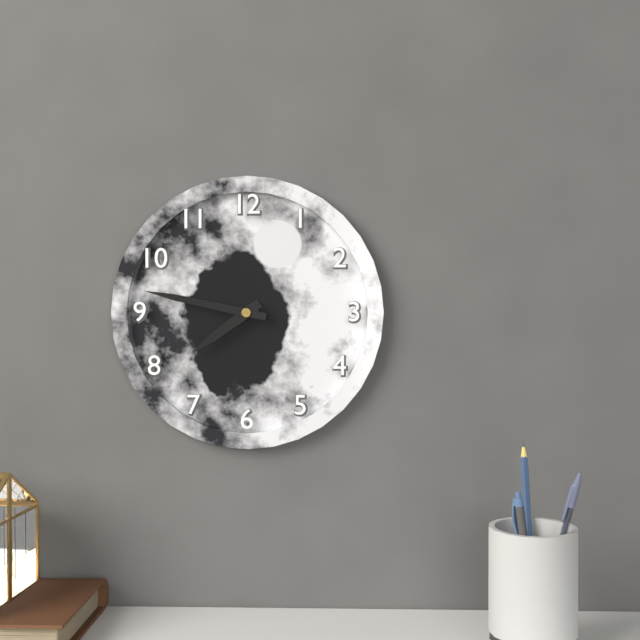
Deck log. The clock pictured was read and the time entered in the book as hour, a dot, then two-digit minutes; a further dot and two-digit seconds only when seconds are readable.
7.47
